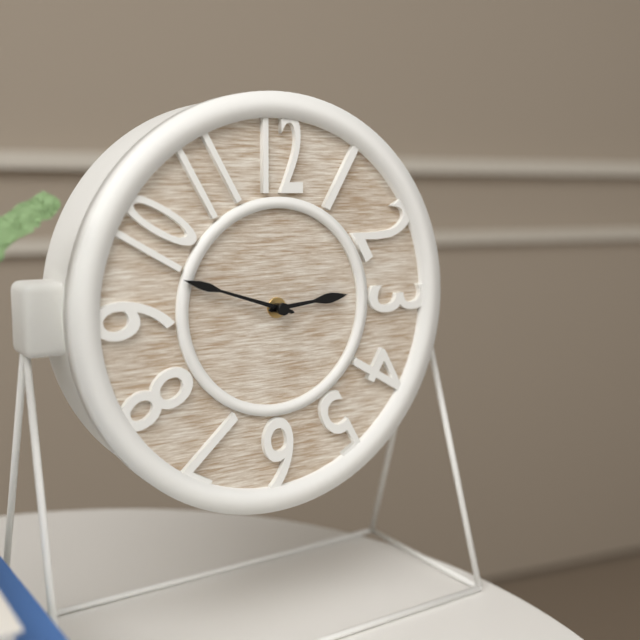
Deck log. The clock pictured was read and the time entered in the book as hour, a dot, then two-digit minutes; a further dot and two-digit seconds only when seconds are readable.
2.48
